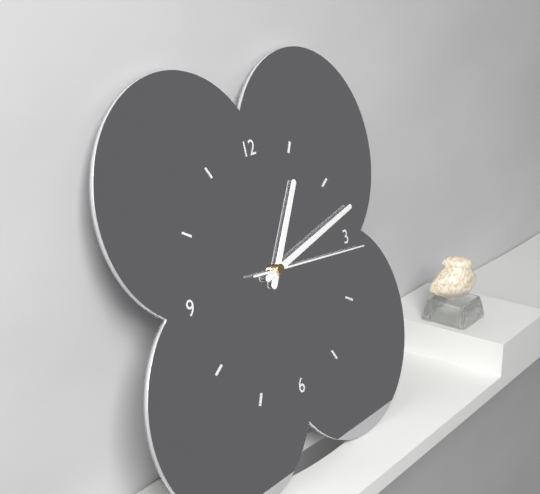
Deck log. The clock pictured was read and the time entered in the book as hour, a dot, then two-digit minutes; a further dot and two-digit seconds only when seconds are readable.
1.13.16
